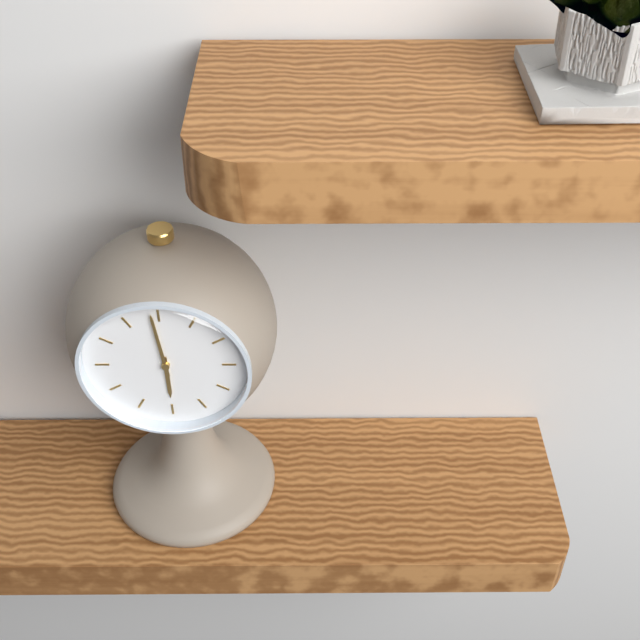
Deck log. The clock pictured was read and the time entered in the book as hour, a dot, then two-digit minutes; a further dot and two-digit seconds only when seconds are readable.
5.59
